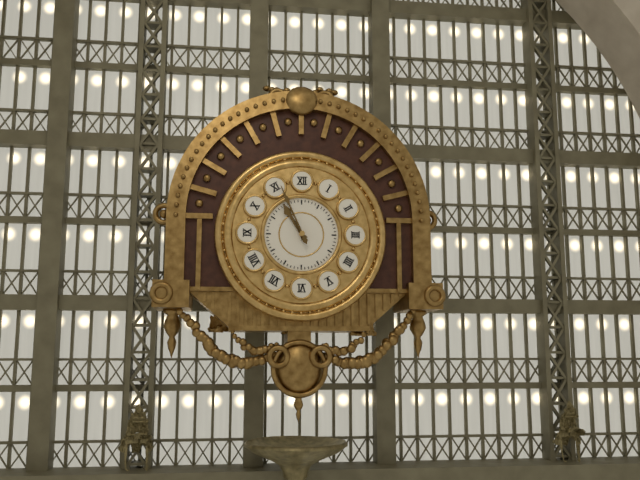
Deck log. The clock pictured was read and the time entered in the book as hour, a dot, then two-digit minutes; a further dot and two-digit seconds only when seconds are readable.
10.56
